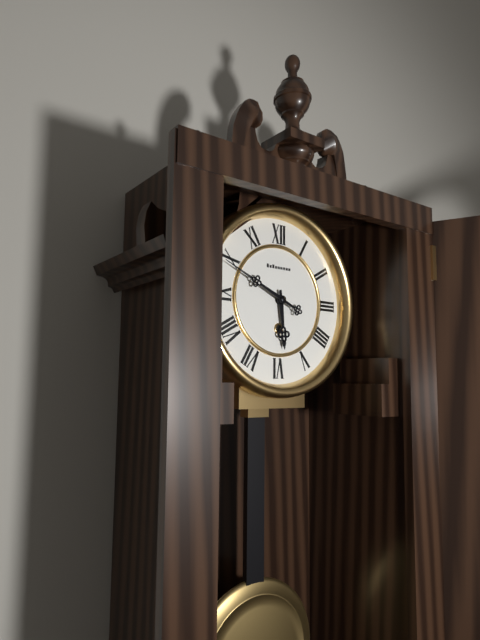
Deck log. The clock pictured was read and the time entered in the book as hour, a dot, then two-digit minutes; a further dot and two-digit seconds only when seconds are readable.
5.49
